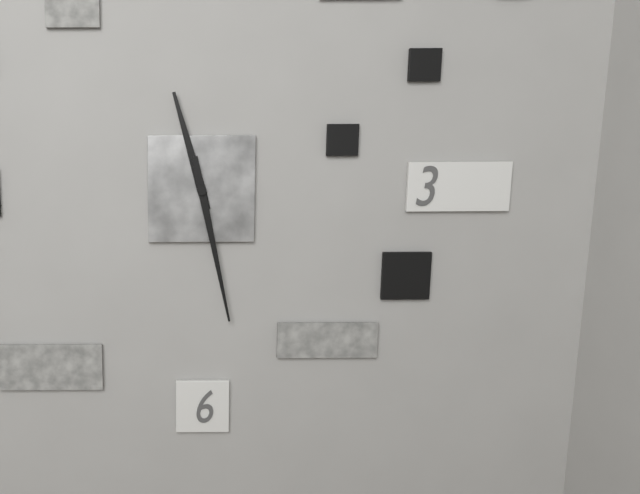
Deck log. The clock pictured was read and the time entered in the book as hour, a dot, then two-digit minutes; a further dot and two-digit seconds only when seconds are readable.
11.28
